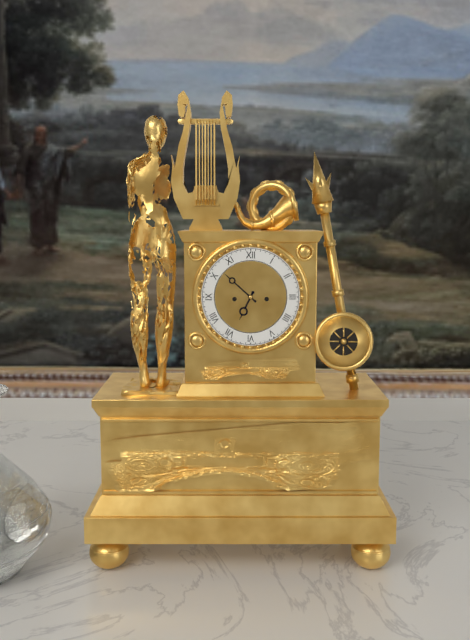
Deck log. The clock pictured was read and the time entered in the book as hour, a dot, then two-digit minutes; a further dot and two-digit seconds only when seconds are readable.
6.52
